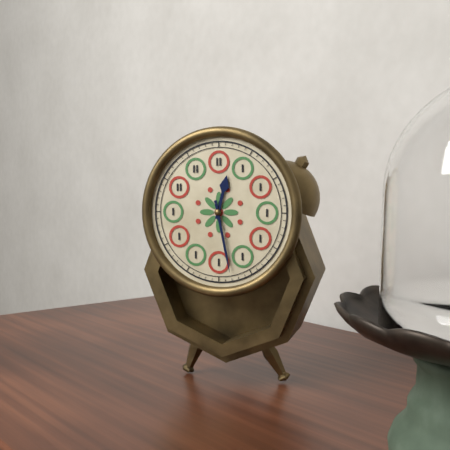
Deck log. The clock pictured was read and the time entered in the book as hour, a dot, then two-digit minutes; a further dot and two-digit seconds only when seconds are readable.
12.28
